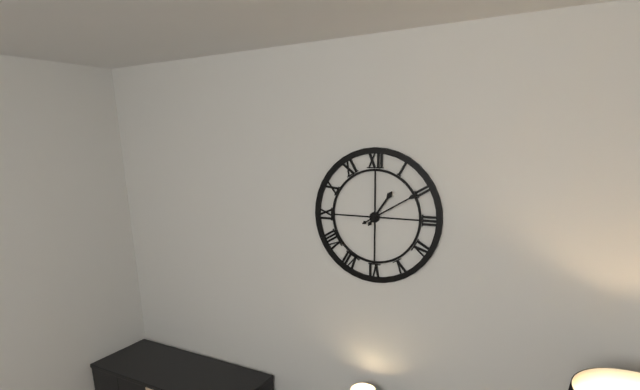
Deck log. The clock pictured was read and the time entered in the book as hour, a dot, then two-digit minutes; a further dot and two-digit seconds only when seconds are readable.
1.10
